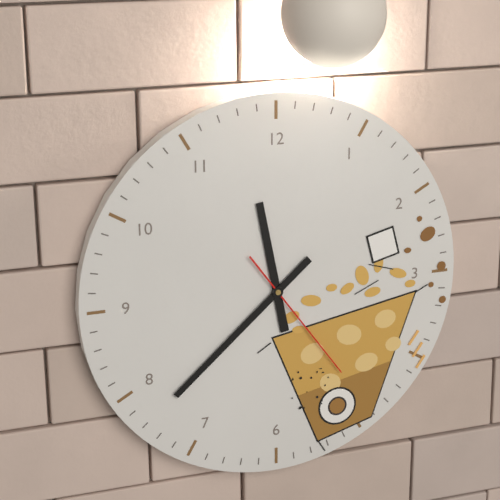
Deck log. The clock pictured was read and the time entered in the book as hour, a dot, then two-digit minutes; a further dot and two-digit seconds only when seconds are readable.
11.38.24
